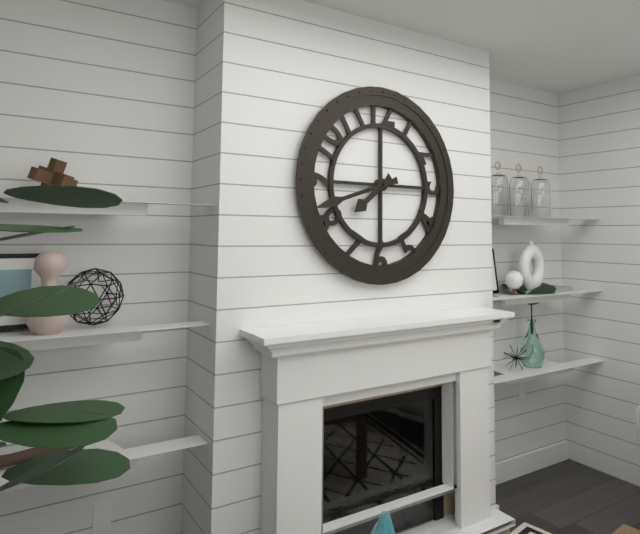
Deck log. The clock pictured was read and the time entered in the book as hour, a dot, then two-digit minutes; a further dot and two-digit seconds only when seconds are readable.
7.42
